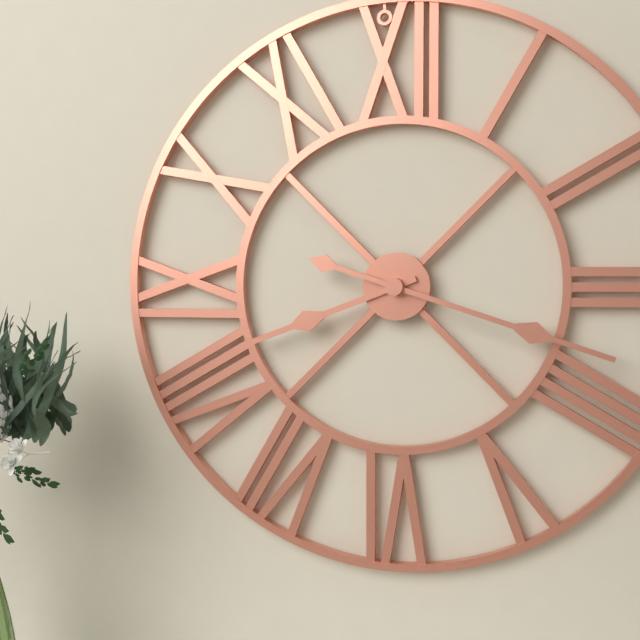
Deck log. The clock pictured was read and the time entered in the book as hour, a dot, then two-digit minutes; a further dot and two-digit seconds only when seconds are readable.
8.18
